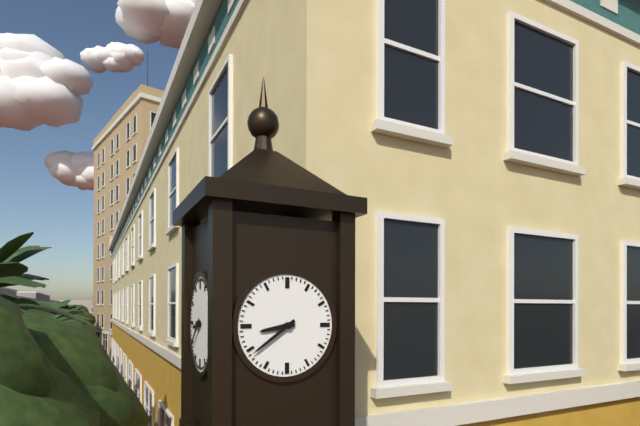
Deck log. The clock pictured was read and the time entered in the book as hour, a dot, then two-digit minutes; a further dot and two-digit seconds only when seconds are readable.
8.39
